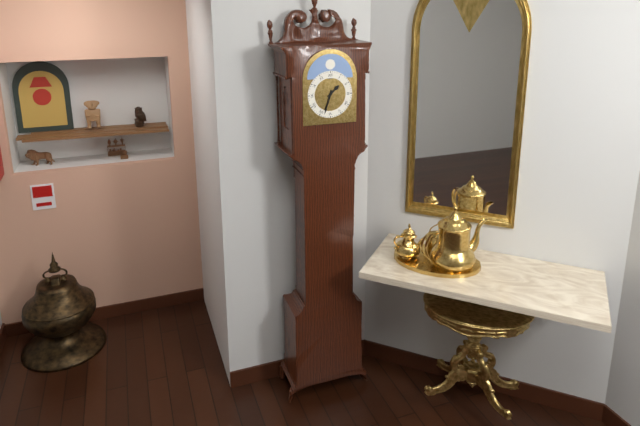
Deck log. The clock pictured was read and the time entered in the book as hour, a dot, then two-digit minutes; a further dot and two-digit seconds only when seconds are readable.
1.33
